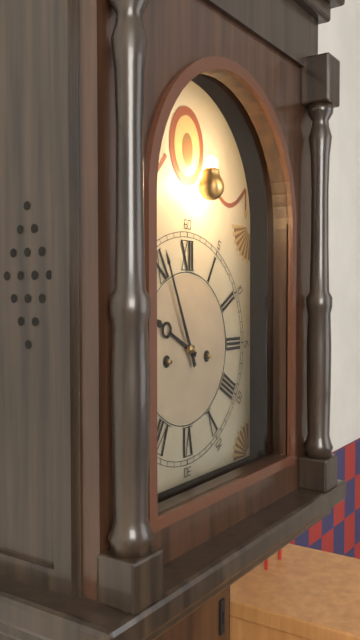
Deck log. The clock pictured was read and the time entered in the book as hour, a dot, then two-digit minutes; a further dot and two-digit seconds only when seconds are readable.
9.56
